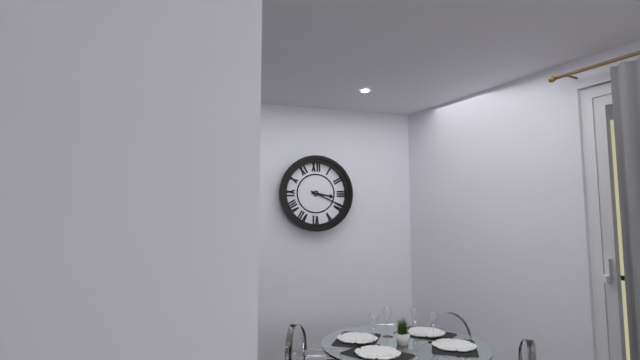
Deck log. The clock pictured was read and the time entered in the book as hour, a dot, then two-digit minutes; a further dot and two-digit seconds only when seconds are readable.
3.19
